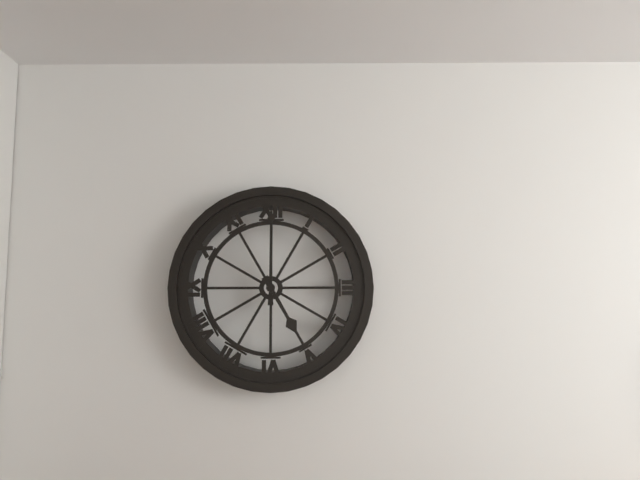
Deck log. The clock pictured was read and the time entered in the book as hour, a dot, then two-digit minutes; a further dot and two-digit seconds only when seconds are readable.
5.00
